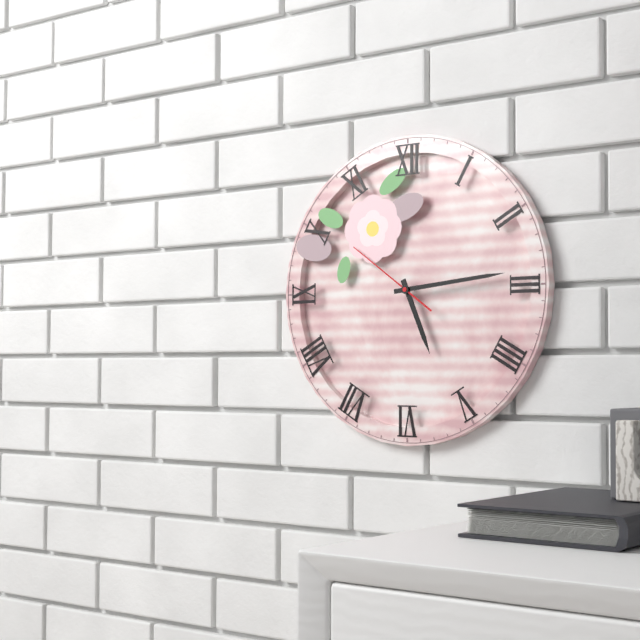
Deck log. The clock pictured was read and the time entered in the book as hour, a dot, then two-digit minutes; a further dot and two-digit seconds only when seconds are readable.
5.14.51
